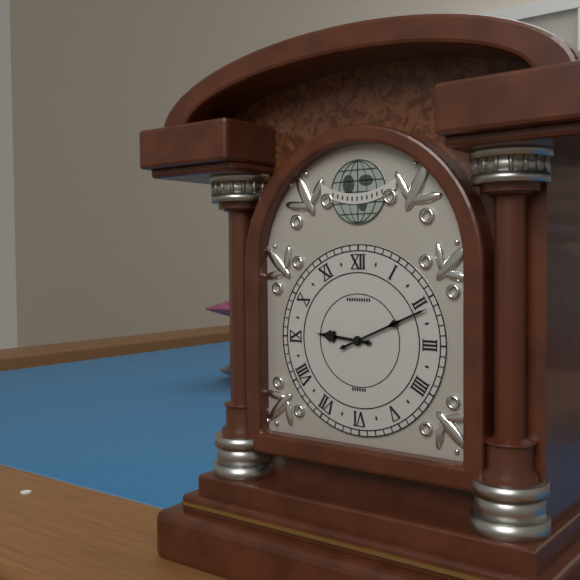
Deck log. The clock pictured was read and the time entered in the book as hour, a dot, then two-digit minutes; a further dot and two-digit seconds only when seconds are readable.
9.11
